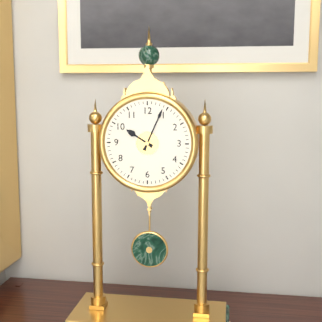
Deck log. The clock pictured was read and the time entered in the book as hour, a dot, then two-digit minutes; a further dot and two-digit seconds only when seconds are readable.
10.04
